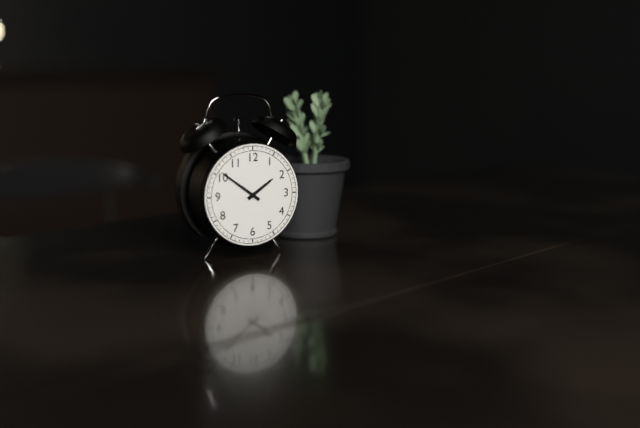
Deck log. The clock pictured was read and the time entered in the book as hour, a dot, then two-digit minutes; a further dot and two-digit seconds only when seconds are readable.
1.51
